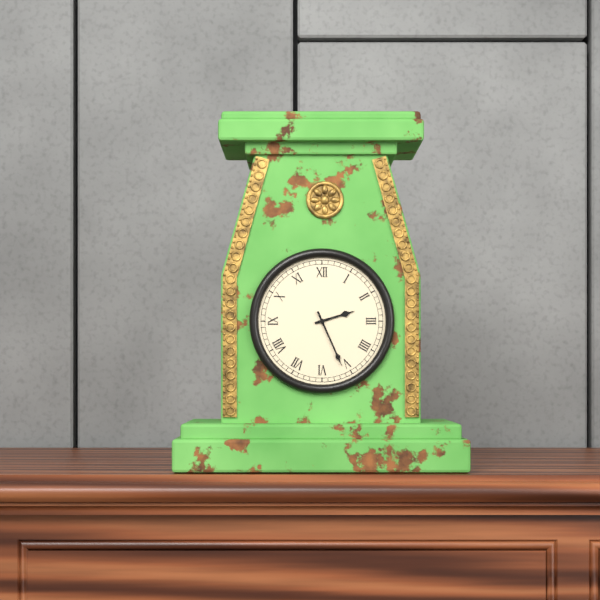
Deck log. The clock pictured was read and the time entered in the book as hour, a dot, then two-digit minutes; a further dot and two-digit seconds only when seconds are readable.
2.26
